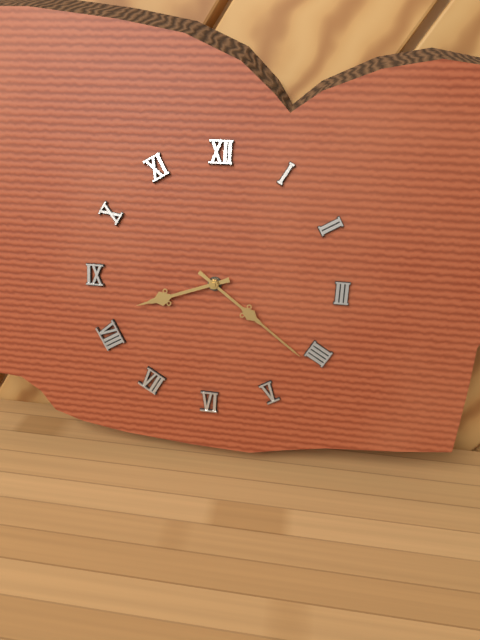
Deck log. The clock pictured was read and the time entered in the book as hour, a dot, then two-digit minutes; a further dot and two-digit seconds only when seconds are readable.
8.21
